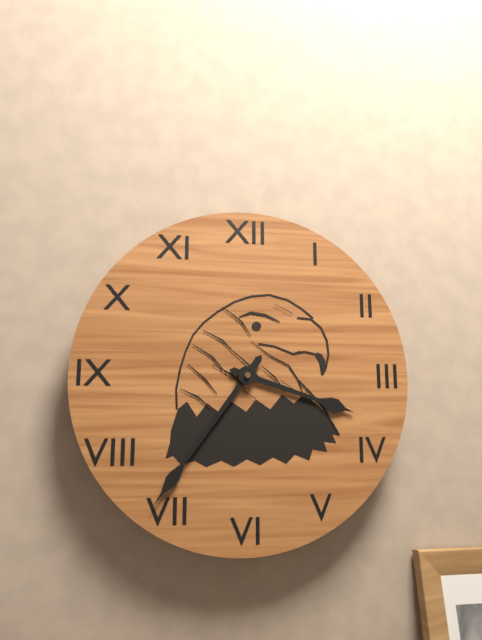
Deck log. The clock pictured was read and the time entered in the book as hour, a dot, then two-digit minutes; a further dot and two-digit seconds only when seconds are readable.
3.36
